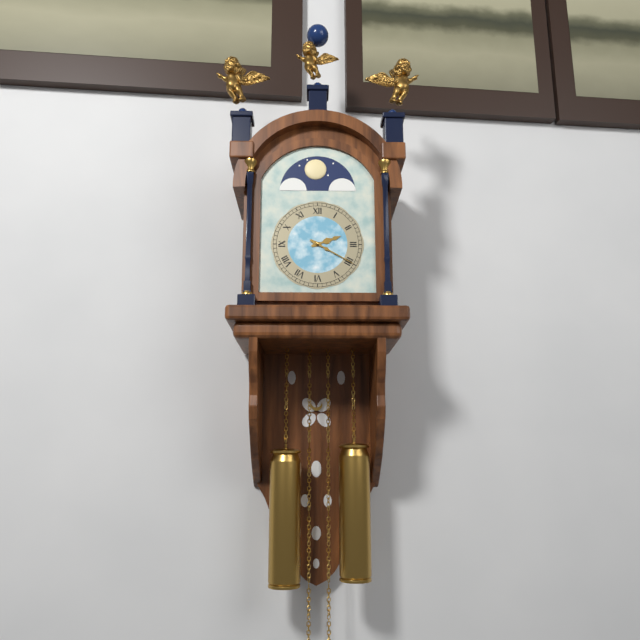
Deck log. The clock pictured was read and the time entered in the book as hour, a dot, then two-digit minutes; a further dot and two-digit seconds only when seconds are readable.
2.20
